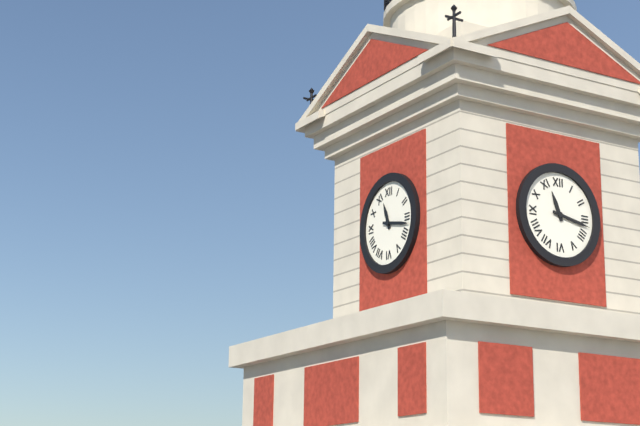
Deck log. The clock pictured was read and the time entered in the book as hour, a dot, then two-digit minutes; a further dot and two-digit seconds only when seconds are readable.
11.17
